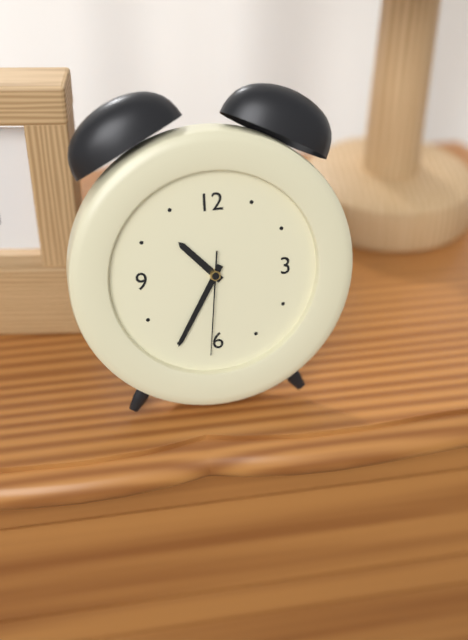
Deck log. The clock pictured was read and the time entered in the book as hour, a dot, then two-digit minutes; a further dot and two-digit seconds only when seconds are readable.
10.35.31
